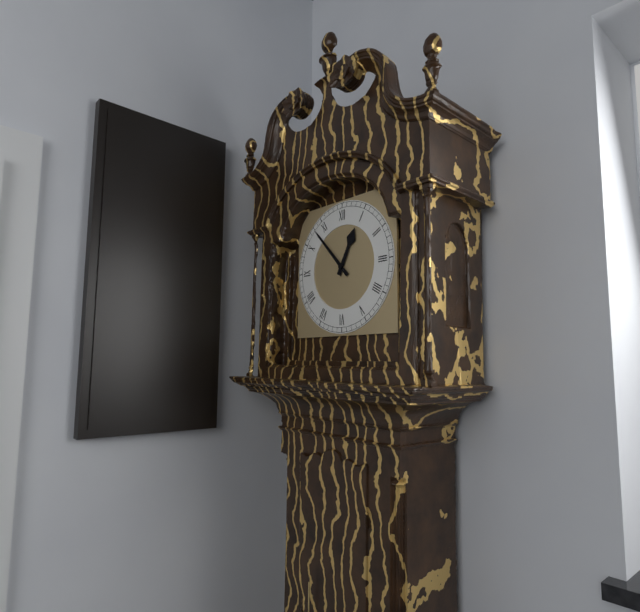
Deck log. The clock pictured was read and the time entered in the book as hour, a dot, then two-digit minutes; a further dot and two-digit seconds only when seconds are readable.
12.53
